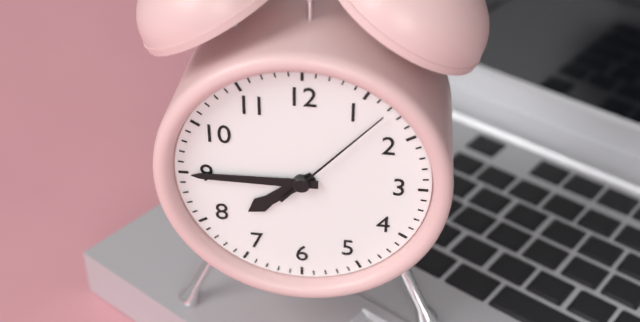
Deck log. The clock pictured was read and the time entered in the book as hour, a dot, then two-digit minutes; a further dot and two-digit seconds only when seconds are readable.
7.45.07
